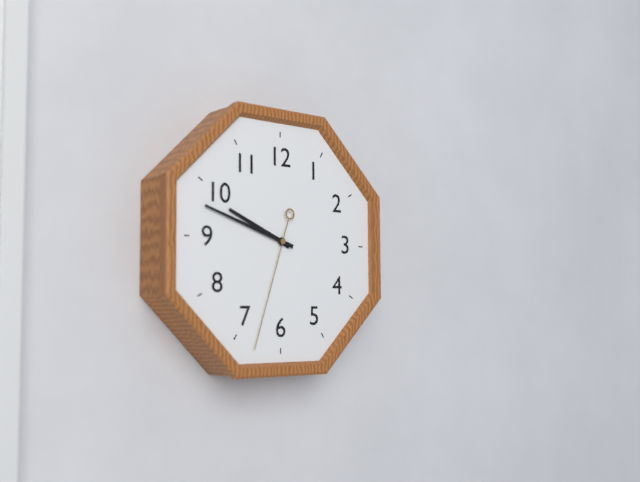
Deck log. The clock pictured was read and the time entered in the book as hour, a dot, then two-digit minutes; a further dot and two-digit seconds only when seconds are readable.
9.48.33
